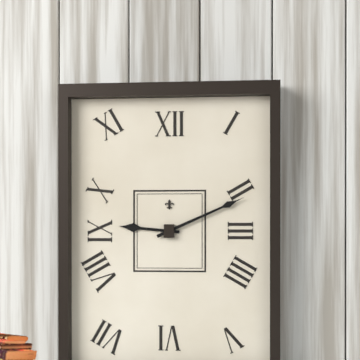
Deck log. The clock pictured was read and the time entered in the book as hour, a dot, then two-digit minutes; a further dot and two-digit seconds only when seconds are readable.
9.11
